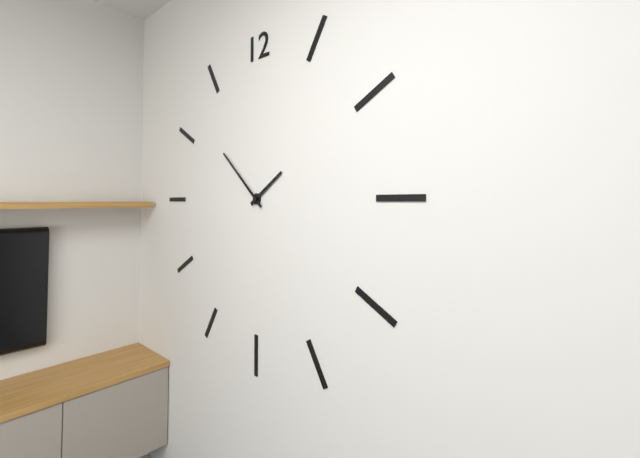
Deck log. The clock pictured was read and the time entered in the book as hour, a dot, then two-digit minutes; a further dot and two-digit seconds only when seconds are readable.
1.52
